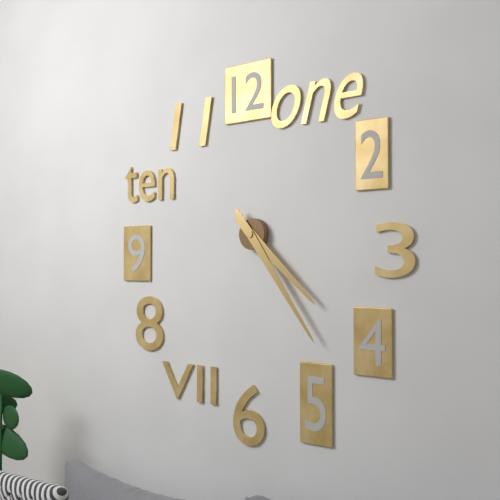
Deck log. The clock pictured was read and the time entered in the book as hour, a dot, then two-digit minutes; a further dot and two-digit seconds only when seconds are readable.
4.24
